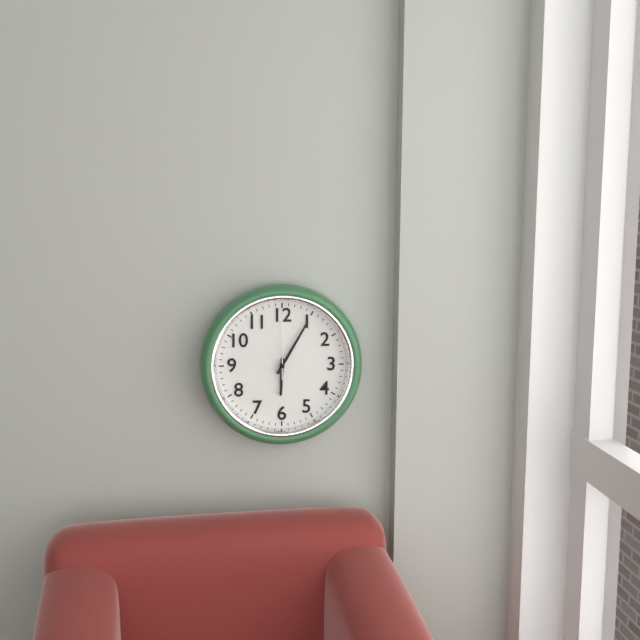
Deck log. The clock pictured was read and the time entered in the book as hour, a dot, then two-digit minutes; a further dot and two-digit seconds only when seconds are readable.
6.05.00
